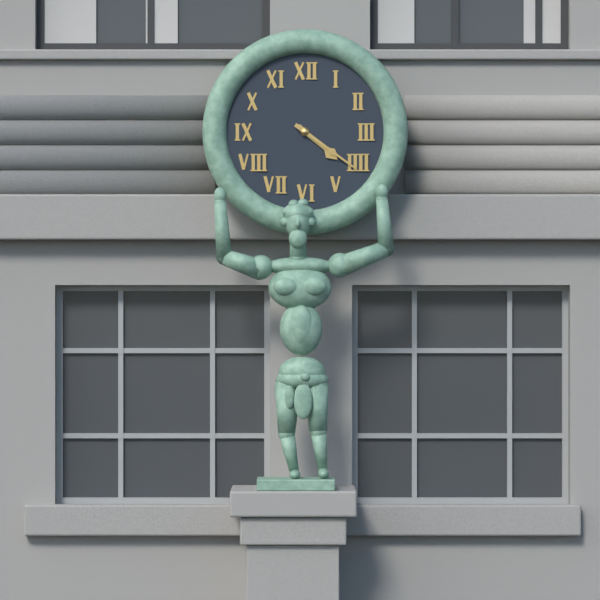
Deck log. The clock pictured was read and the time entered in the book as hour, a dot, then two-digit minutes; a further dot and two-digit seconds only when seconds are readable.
4.21
